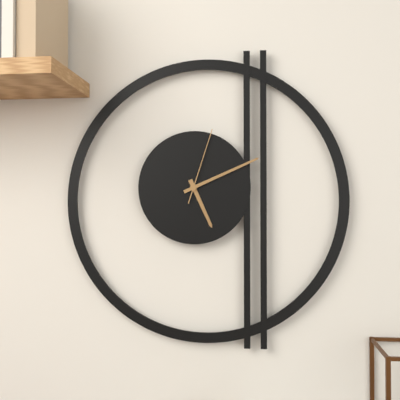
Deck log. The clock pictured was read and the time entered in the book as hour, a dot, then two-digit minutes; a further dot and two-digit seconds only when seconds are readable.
5.11.03
